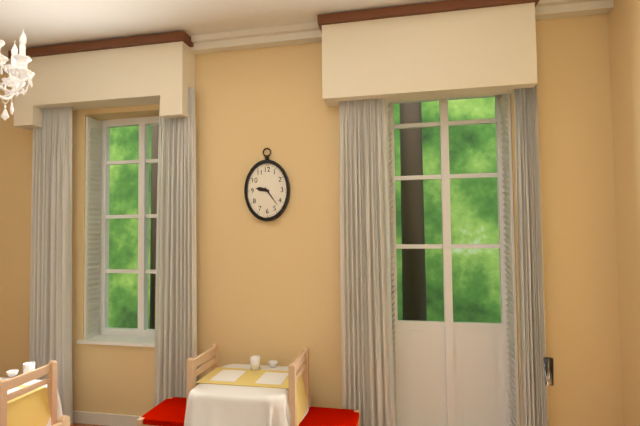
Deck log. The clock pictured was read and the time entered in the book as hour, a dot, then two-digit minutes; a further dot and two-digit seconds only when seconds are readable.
9.24
